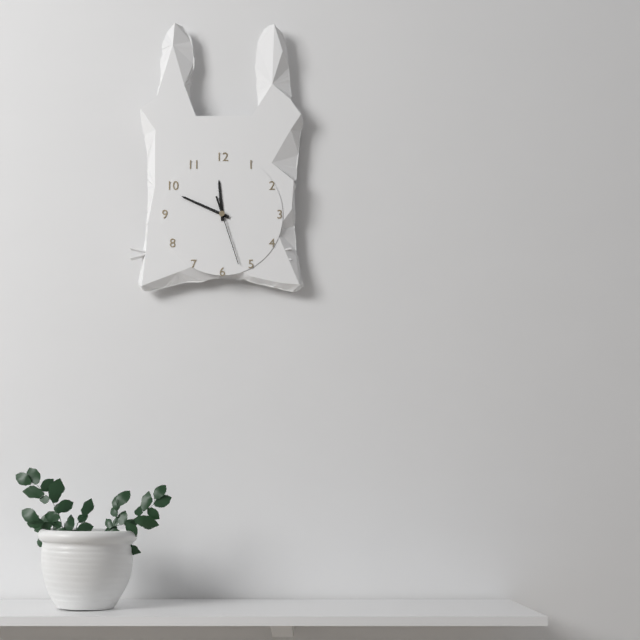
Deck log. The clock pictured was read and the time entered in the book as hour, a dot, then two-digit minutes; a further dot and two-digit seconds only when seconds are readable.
11.49.27
